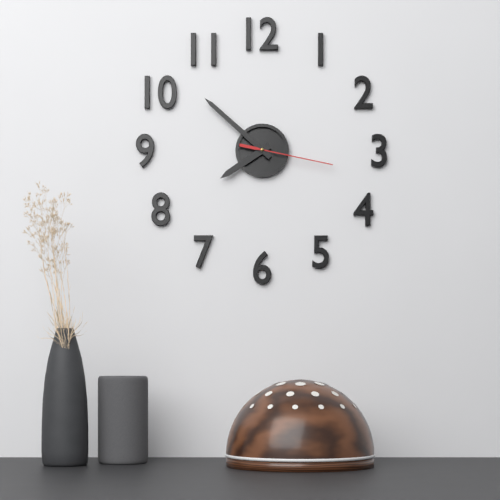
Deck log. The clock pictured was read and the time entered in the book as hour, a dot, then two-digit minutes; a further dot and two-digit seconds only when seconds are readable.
7.52.17
